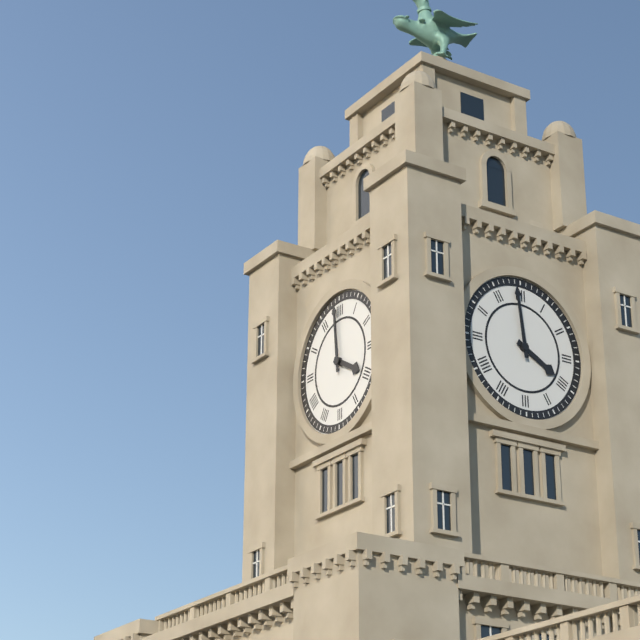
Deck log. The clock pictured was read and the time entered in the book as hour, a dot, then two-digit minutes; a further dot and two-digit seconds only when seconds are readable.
3.59
